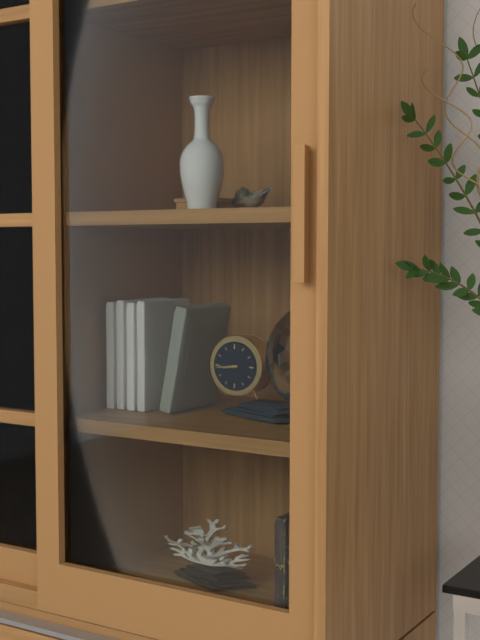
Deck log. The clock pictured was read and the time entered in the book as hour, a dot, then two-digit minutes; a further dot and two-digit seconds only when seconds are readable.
8.44
